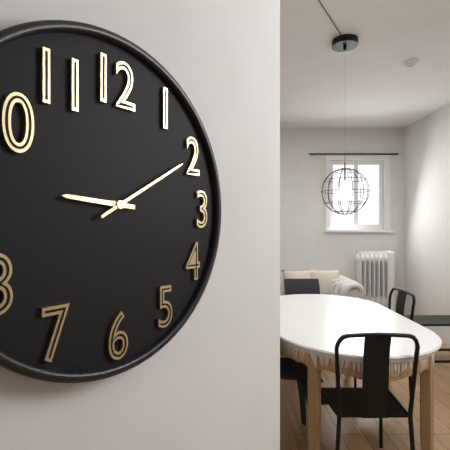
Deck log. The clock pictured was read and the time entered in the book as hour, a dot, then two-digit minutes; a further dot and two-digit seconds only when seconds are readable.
9.10
